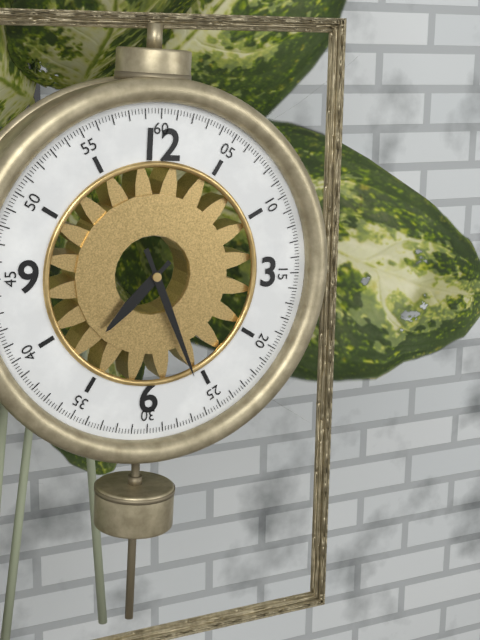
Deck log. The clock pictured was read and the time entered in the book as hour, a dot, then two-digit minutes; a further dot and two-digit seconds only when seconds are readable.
7.26
